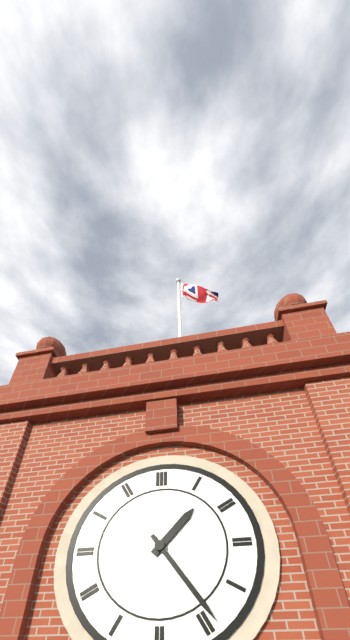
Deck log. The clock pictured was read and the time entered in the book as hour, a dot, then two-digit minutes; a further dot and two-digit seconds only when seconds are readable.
1.24
